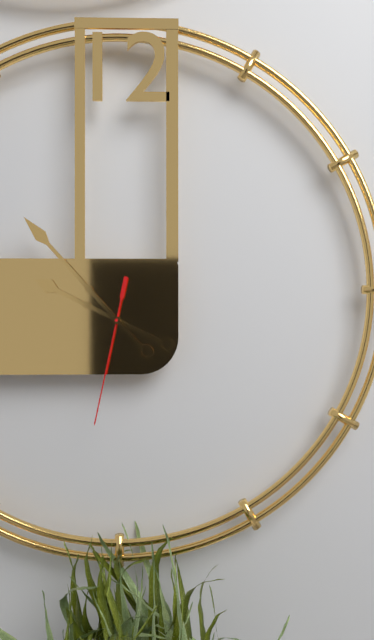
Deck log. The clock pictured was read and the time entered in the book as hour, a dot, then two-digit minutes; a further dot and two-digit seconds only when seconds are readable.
9.53.32
